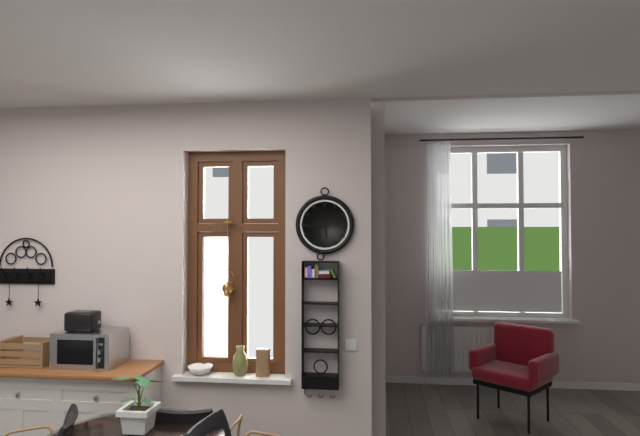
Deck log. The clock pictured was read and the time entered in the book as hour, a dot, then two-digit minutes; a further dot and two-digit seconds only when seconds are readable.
5.44
